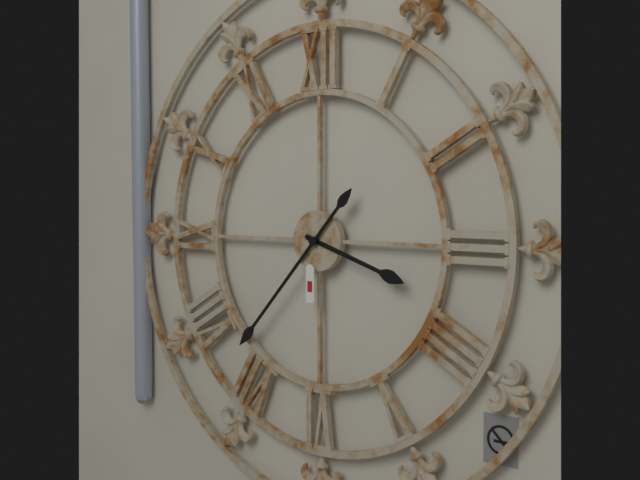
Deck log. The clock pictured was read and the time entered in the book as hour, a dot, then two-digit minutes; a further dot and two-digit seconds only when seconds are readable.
3.37
